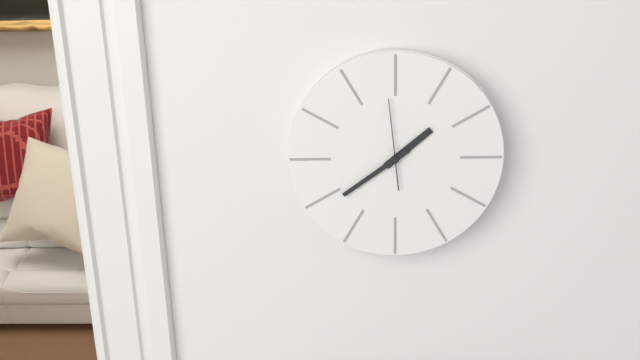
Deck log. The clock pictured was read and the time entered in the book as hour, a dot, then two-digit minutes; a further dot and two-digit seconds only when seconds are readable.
1.39.59
